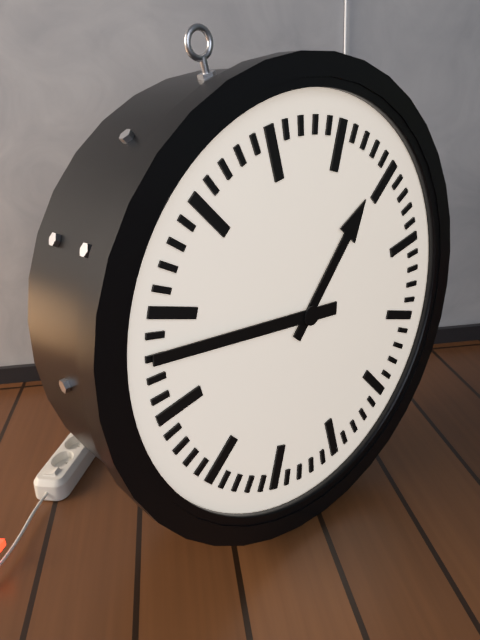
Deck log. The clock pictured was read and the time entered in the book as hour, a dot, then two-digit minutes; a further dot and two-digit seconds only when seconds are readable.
1.48
